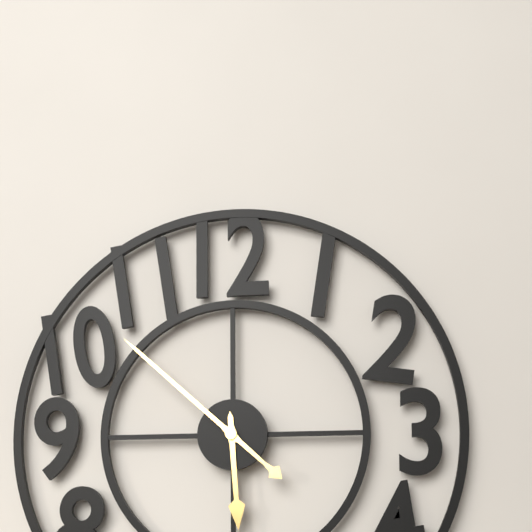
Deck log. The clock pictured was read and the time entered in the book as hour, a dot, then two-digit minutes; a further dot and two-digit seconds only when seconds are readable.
5.52
